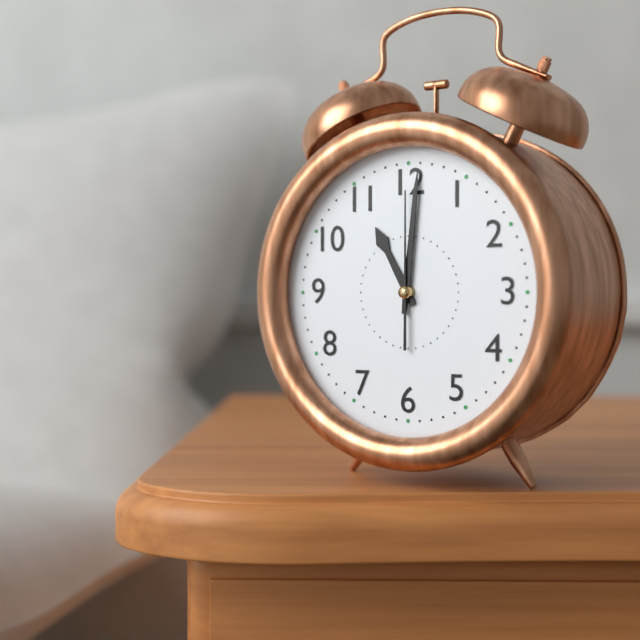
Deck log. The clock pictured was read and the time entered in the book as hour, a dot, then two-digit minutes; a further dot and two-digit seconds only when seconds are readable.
11.01.00
